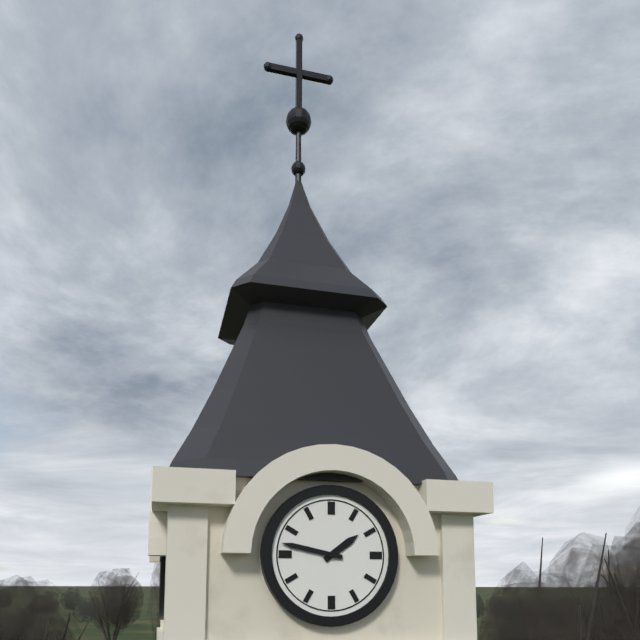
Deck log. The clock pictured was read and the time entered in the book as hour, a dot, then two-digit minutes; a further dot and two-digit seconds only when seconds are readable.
1.47
